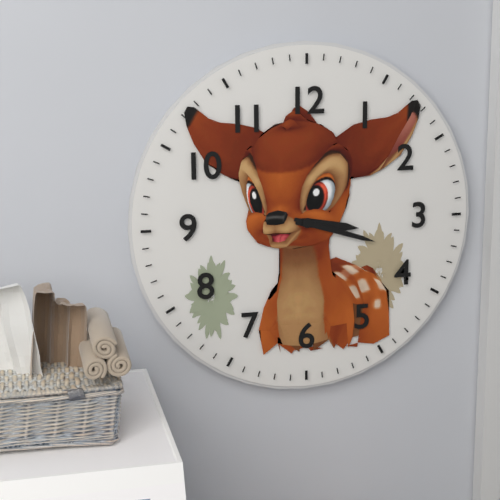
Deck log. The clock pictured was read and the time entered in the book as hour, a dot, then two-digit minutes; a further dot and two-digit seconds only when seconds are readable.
3.18
